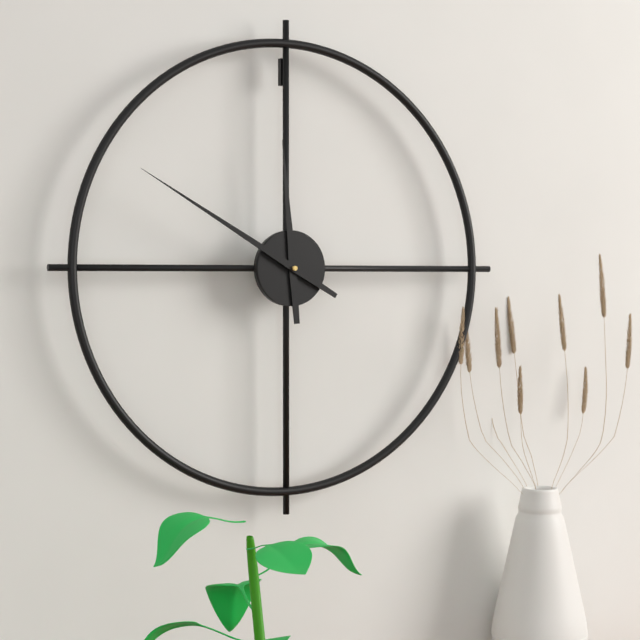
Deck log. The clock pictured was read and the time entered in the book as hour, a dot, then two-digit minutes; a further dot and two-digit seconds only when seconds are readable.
11.50
